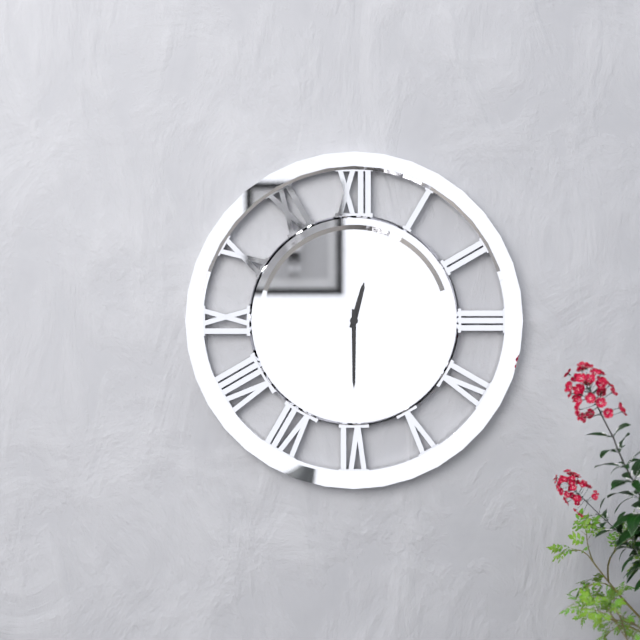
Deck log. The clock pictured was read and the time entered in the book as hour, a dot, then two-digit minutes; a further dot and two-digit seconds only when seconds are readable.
12.30
